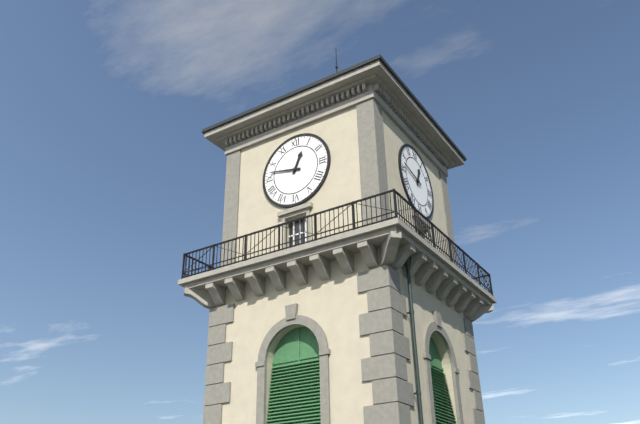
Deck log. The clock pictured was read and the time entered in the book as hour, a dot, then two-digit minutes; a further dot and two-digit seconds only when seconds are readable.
12.47
